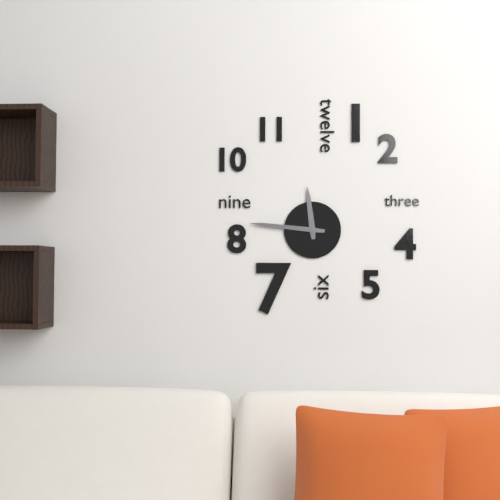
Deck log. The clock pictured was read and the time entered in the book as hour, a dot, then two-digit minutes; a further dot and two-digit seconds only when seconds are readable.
11.46
